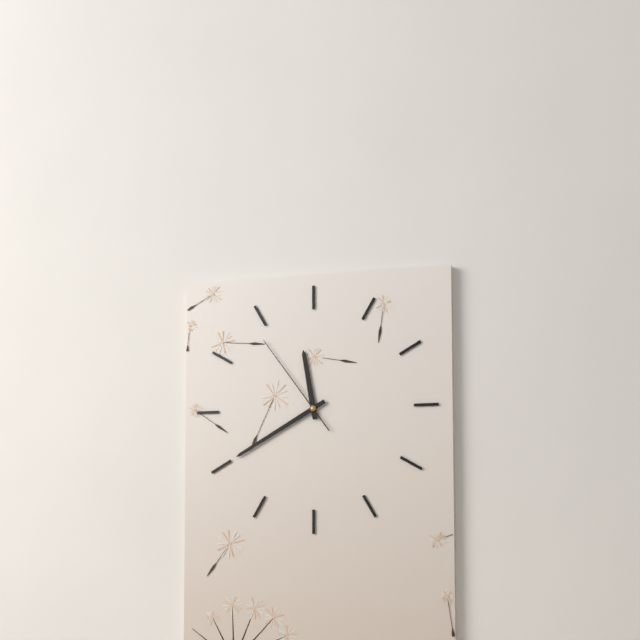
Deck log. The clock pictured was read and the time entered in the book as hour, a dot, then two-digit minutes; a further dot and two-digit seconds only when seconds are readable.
11.40.54
